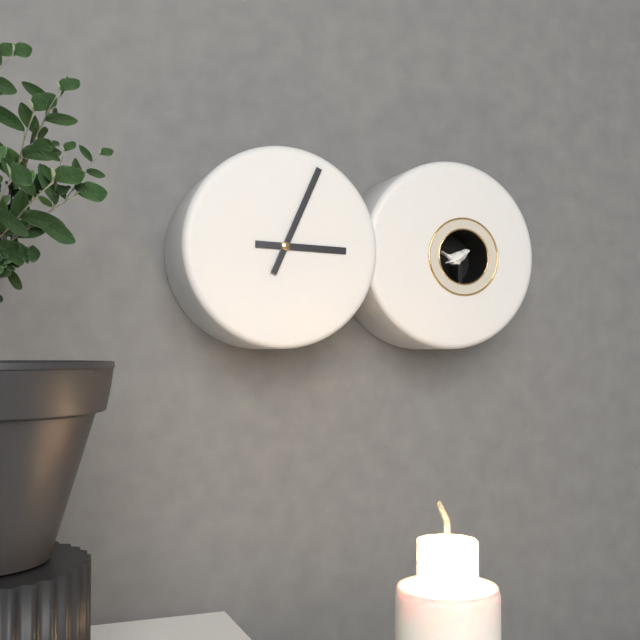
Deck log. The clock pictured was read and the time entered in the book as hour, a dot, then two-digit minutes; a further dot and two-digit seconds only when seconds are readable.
3.04
